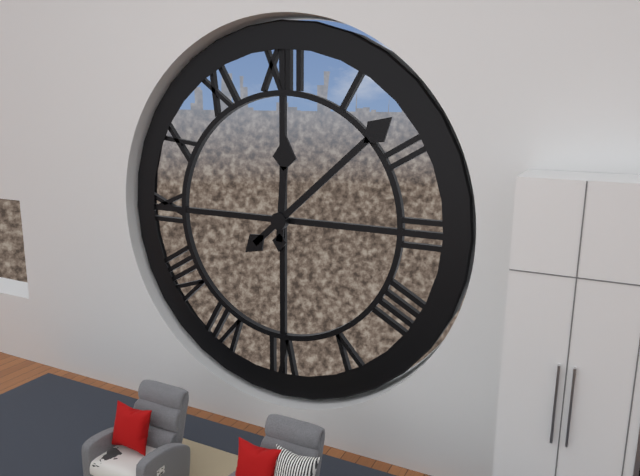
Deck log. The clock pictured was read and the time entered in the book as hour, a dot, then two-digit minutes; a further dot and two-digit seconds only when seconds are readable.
12.08
